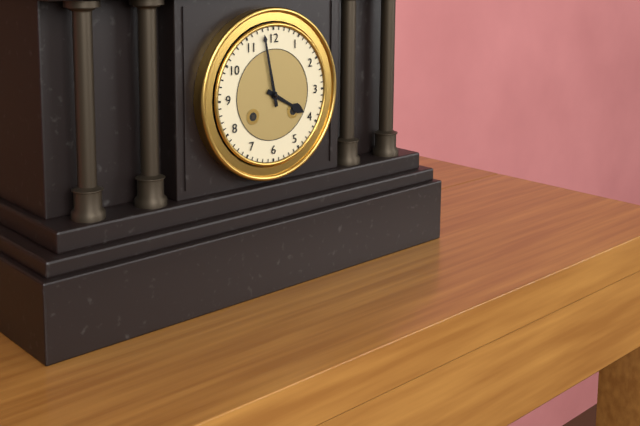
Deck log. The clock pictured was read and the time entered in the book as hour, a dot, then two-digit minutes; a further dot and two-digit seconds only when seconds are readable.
3.58
